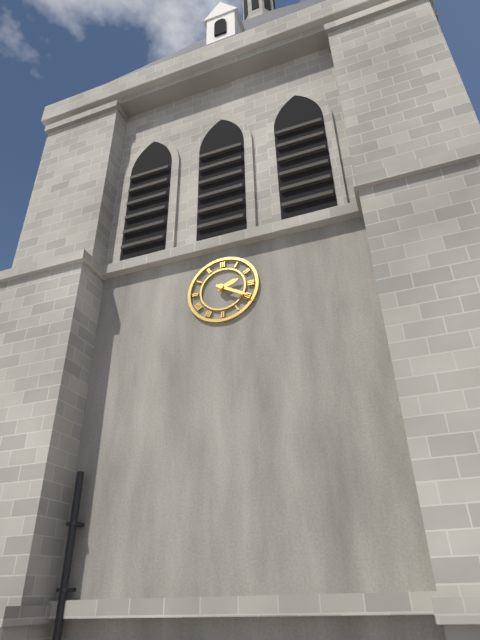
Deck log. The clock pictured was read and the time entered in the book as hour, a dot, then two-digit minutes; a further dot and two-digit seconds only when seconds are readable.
2.20
